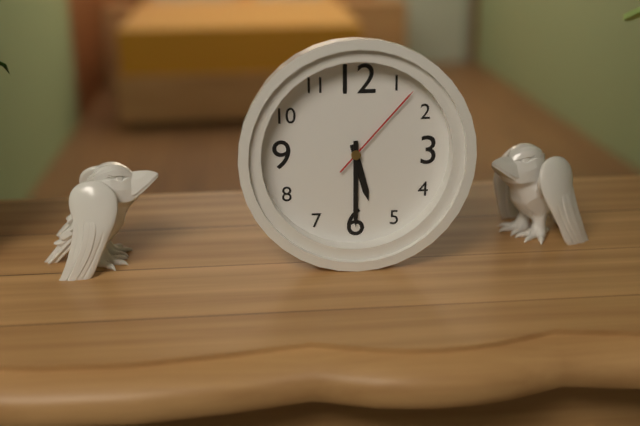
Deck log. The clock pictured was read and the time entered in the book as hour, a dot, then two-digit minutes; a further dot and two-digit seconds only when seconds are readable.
5.30.07
